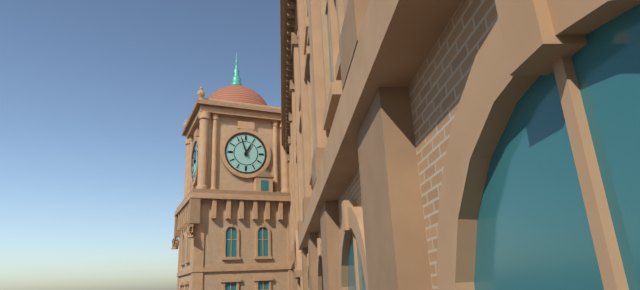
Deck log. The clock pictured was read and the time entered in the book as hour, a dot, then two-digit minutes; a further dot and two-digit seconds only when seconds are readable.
12.57
